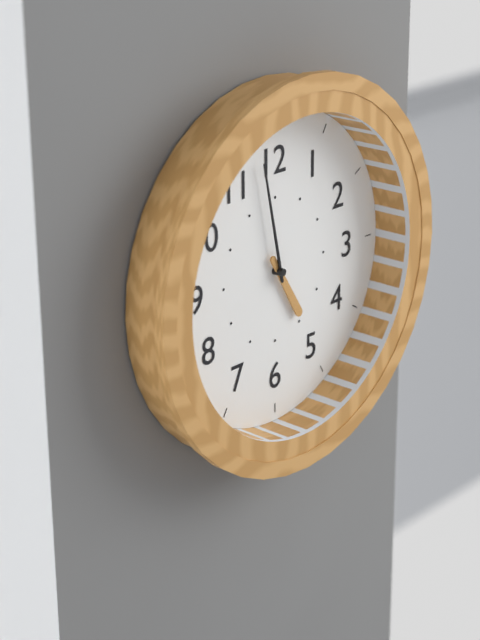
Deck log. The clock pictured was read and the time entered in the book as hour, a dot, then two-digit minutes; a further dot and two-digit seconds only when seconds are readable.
4.58
